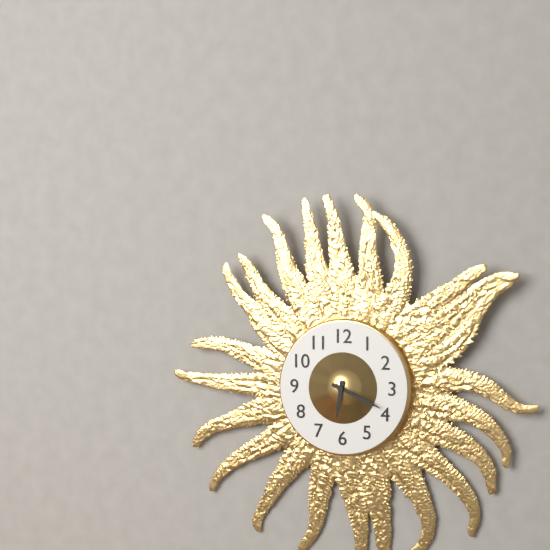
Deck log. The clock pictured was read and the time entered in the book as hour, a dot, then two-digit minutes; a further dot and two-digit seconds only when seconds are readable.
6.19
